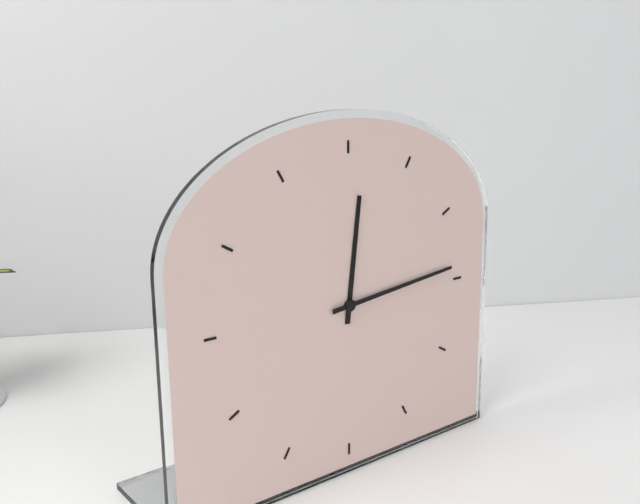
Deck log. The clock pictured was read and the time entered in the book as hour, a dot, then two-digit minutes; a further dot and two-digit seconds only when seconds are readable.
12.14
